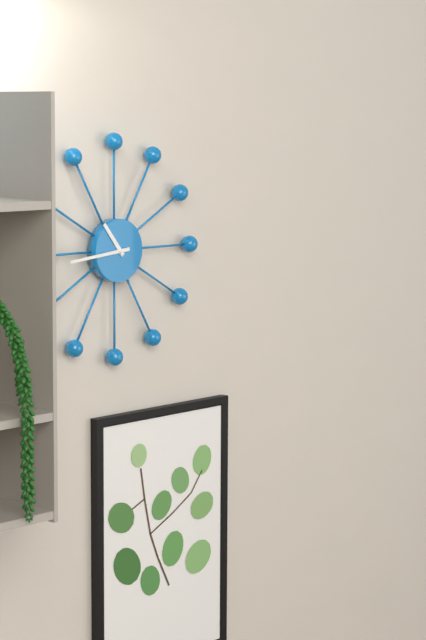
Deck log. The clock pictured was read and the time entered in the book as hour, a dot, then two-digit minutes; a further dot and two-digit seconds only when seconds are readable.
10.44
